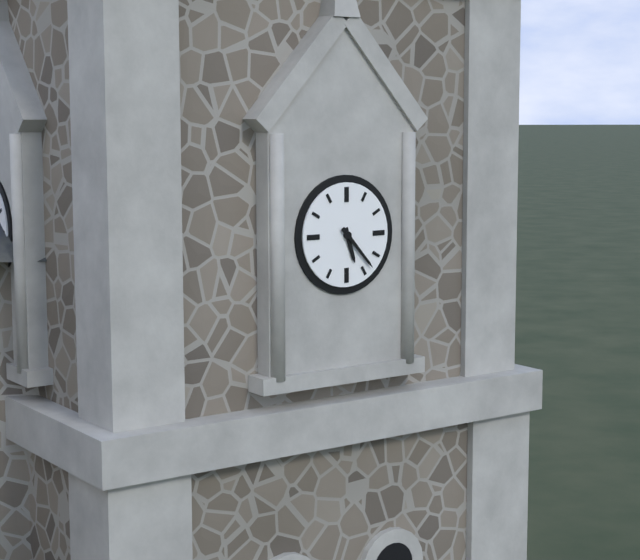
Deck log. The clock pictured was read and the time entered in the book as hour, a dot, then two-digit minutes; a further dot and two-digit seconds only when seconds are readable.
5.23
